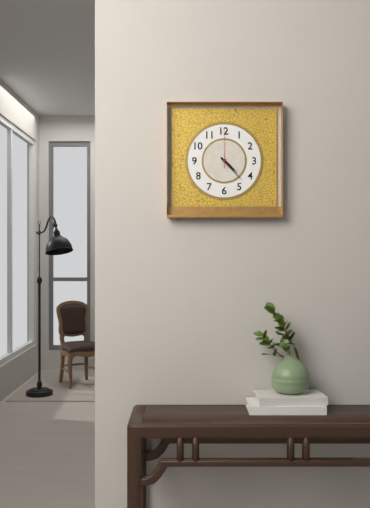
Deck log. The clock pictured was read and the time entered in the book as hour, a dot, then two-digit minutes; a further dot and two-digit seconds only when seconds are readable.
4.23
